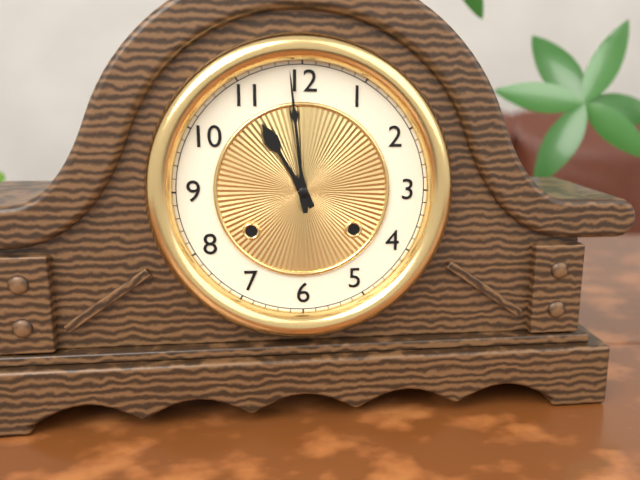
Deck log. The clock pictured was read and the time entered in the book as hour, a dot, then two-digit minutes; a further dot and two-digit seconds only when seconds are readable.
10.59
